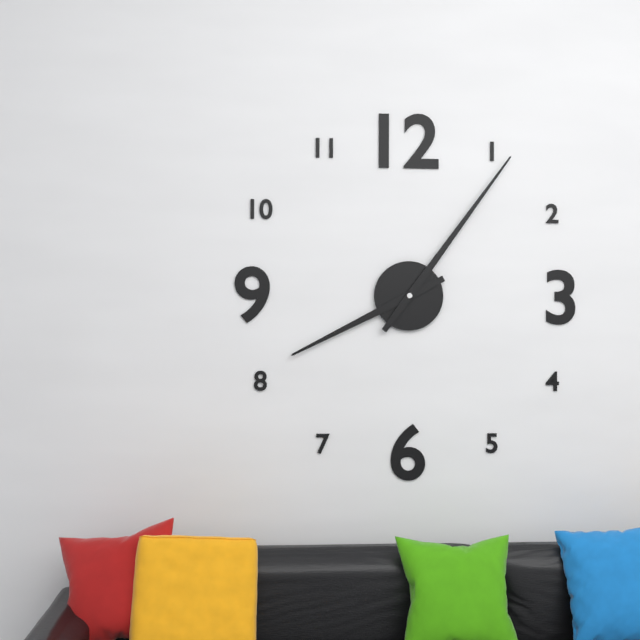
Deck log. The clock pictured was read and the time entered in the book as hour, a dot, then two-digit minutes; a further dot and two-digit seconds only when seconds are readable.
8.06
